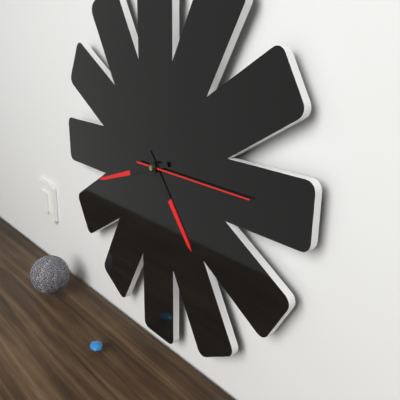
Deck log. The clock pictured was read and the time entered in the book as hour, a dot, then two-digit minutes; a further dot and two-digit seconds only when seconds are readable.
4.42.15
